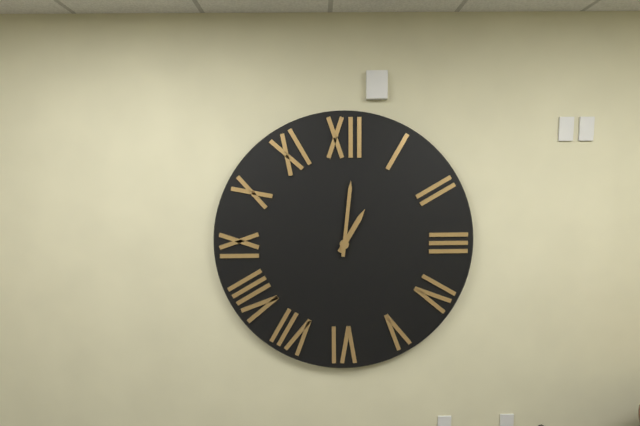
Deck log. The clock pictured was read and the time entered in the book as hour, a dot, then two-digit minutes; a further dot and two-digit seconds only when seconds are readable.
1.01
